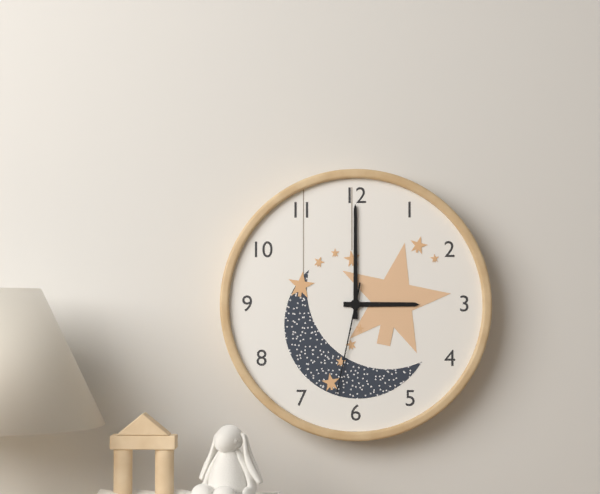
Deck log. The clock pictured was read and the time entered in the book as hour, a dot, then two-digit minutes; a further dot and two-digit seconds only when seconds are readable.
3.00.32
